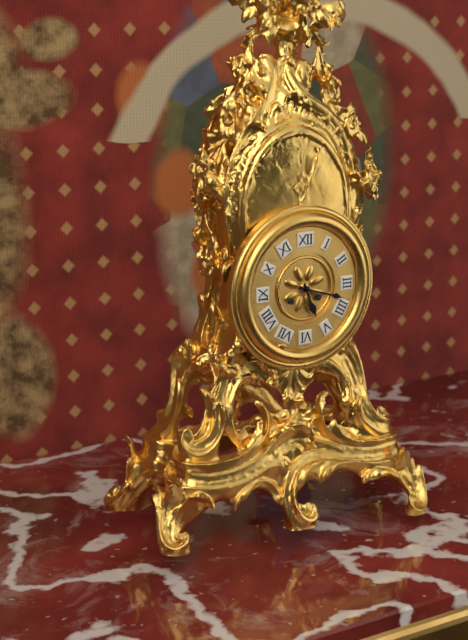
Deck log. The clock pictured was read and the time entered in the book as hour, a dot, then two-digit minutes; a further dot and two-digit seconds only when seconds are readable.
5.18
